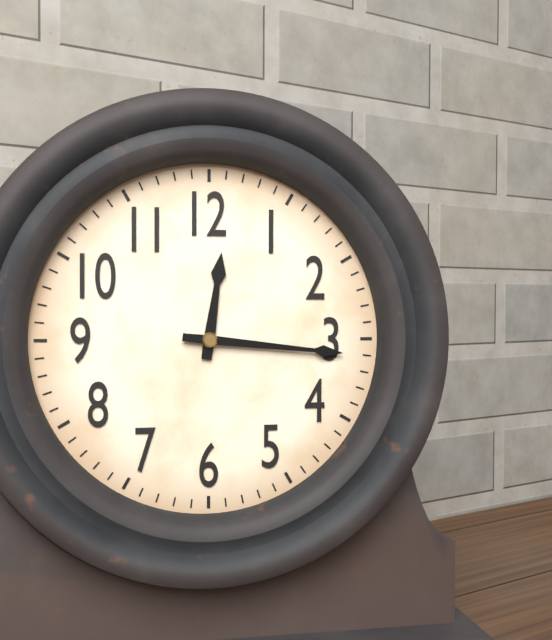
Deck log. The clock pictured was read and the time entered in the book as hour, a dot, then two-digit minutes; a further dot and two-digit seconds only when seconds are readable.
12.16
